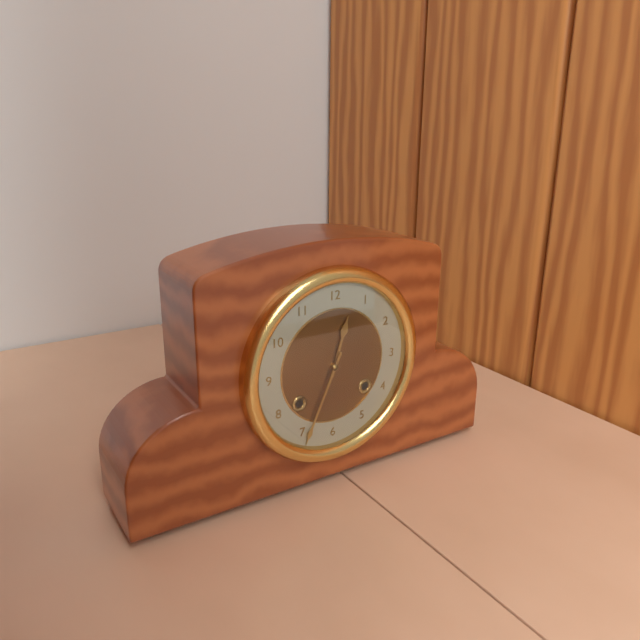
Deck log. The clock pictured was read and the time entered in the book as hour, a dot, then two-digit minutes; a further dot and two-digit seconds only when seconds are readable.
12.34
